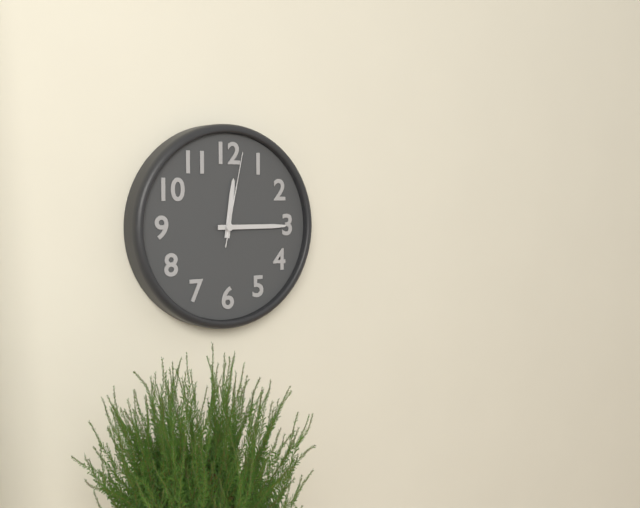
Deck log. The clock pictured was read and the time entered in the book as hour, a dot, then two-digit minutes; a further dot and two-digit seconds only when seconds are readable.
12.15.02
